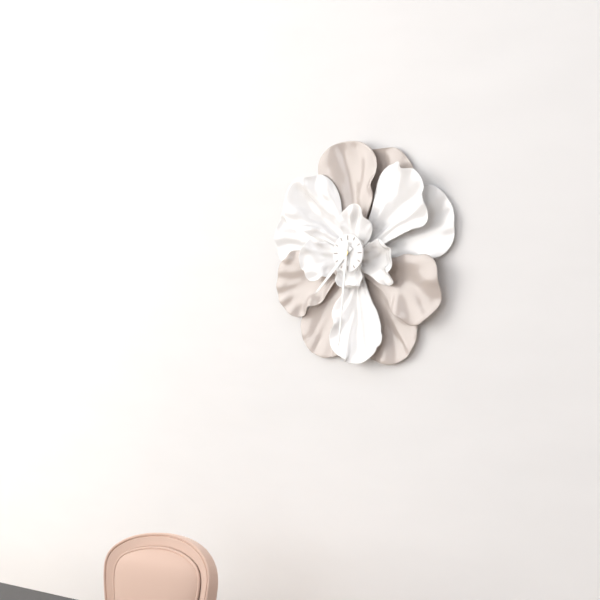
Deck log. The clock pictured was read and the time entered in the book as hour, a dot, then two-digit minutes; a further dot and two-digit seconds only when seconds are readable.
7.31
